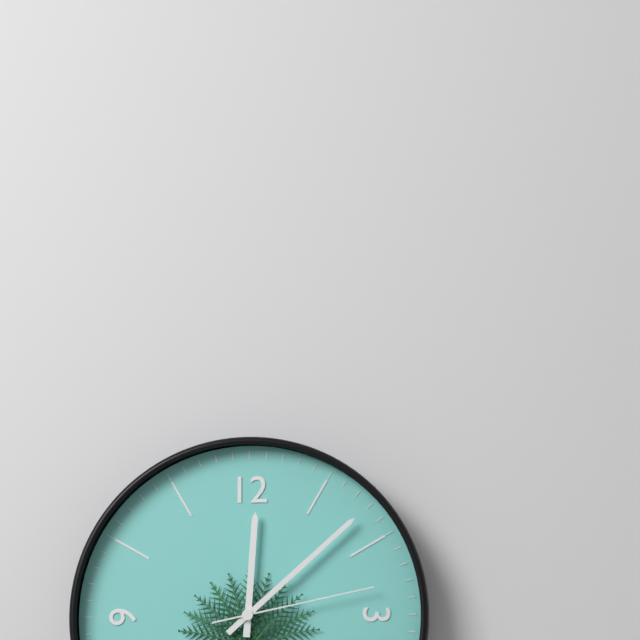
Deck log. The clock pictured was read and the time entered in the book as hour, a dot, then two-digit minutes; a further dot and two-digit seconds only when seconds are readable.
12.08.13
